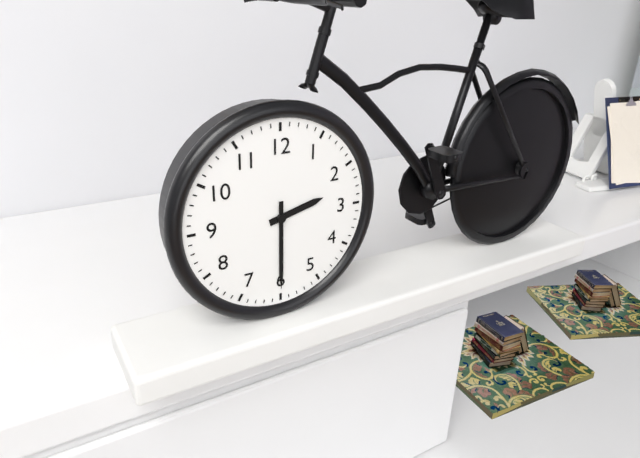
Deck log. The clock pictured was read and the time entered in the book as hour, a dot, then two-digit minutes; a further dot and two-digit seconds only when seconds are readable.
2.30
